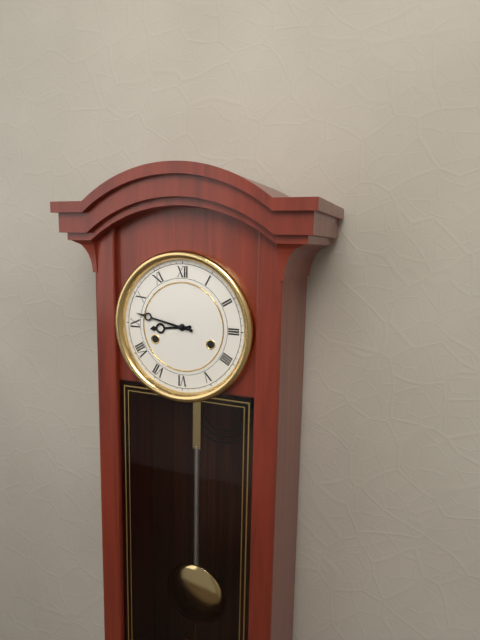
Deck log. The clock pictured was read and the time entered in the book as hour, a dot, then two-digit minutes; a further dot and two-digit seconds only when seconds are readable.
8.47
